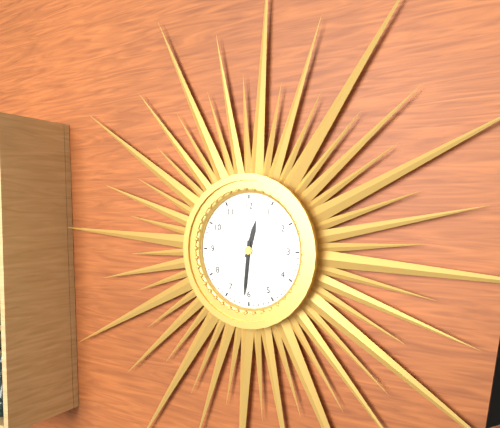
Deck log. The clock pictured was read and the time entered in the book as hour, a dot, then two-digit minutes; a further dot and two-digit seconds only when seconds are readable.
12.31
